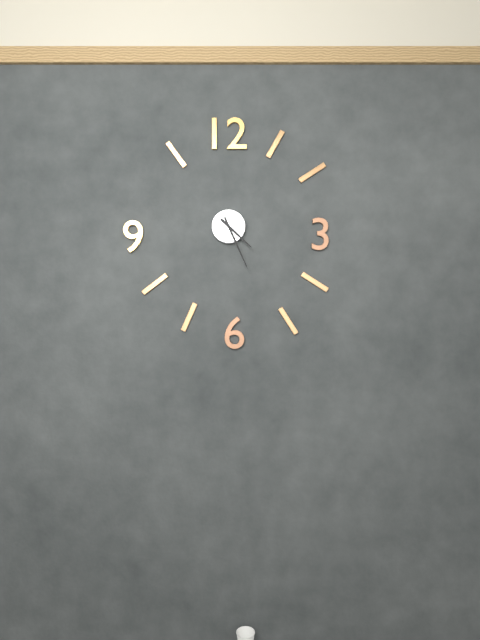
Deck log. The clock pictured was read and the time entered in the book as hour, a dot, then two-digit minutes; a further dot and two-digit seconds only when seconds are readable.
4.26
